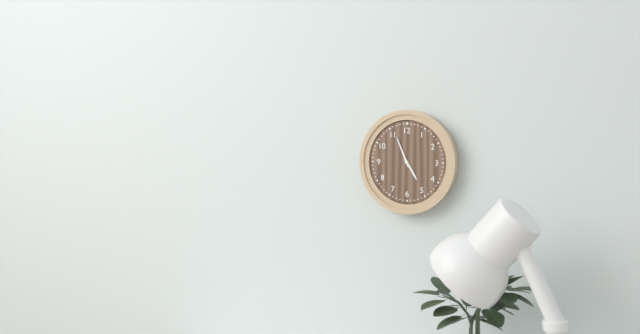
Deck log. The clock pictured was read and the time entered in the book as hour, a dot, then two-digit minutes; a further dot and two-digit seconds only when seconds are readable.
4.56
